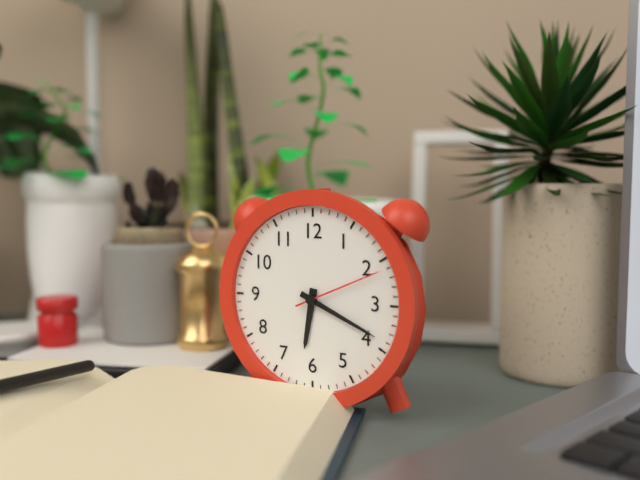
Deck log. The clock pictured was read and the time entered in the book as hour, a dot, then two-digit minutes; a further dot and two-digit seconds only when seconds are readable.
6.19.11
